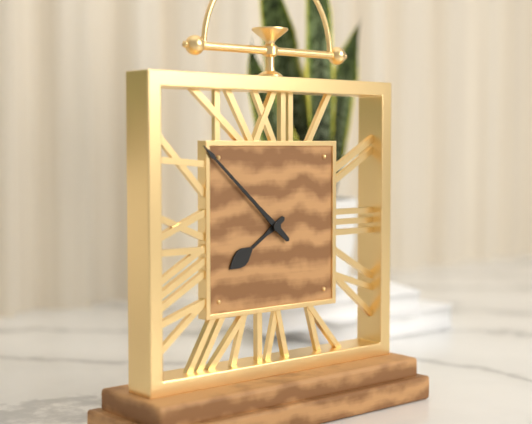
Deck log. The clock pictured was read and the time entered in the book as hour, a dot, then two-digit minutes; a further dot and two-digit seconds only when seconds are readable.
7.52
